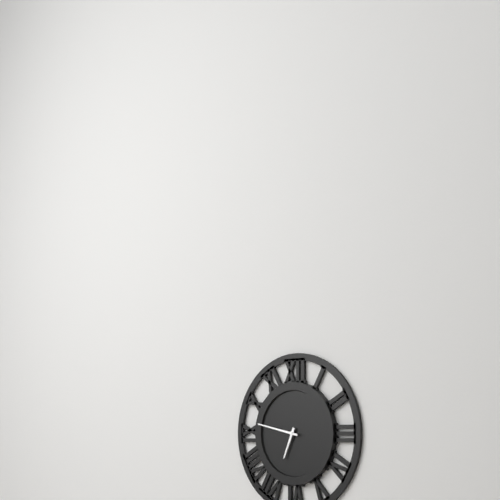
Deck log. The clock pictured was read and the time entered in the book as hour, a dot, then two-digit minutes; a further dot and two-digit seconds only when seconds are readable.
6.47
